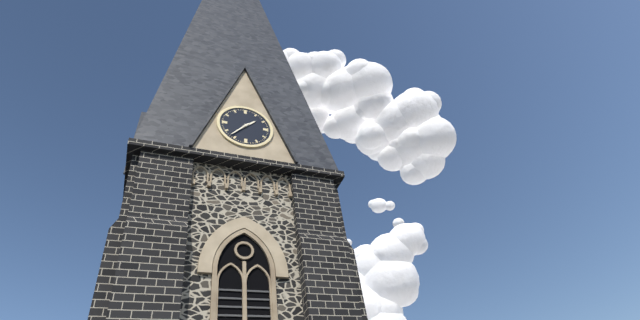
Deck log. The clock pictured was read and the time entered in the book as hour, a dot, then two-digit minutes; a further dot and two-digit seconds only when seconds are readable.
1.37
